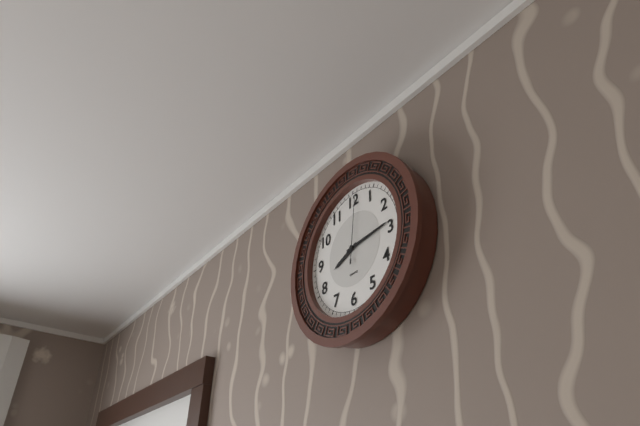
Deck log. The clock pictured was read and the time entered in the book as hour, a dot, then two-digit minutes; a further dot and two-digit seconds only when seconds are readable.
8.14.01
